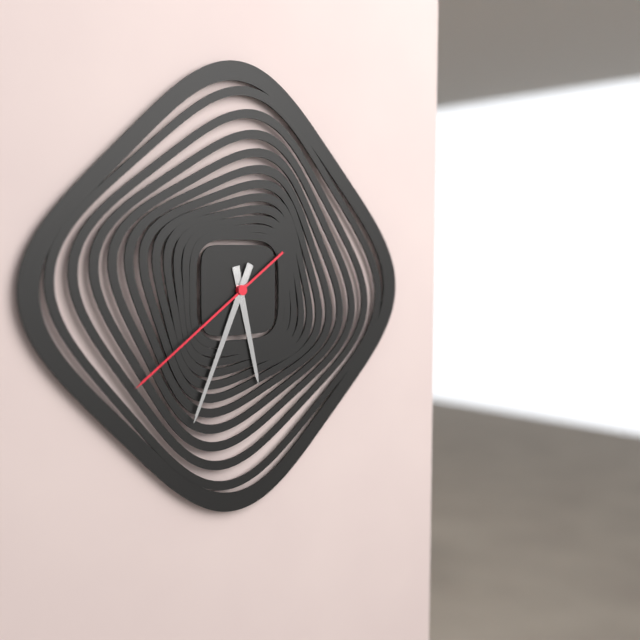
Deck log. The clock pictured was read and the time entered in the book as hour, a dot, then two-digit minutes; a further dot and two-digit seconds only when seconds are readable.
5.34.39
